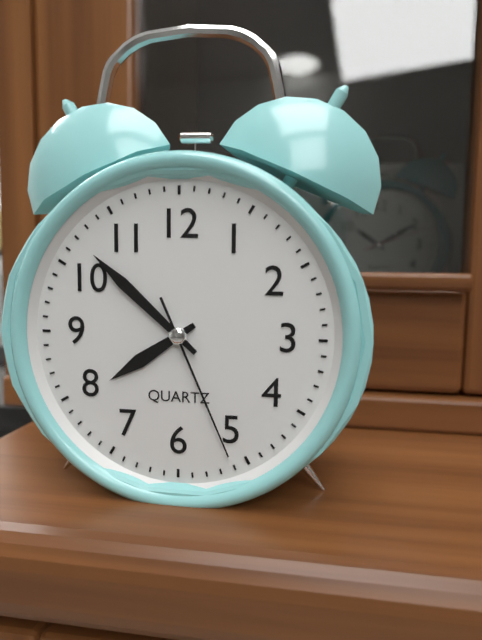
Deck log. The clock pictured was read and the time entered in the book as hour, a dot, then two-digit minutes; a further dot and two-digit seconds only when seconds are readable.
7.52.26
